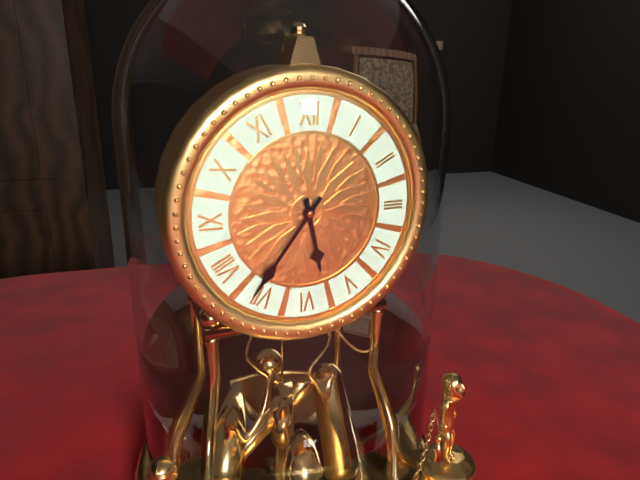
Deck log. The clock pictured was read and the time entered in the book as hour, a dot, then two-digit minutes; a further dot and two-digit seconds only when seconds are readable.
5.36
